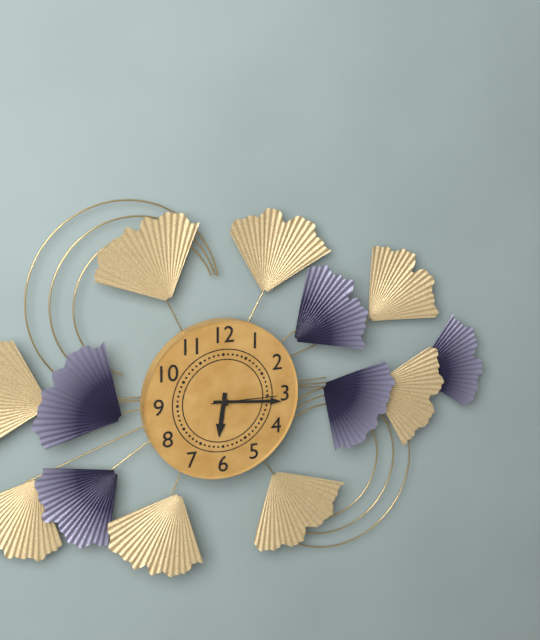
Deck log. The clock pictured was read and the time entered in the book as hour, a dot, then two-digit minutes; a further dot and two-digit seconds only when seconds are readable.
6.16.15
